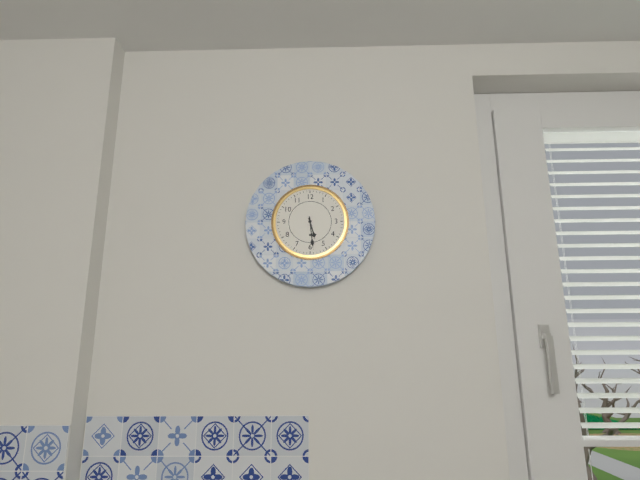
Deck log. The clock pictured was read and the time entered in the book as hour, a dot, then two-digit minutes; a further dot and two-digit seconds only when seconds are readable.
5.29
